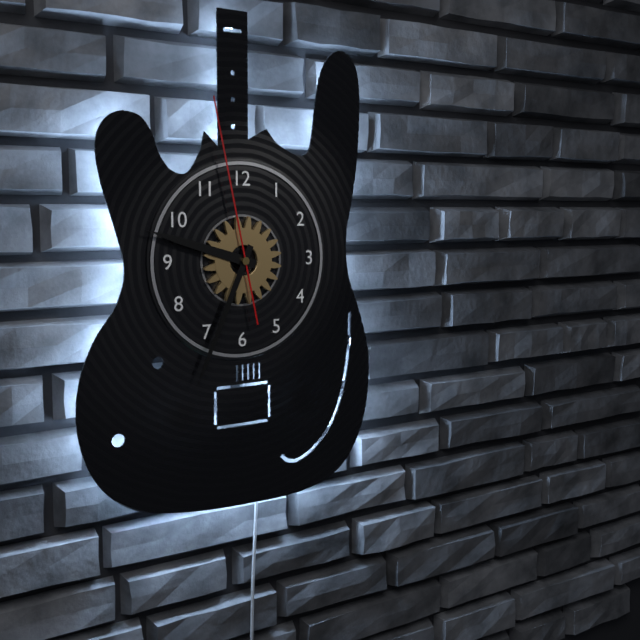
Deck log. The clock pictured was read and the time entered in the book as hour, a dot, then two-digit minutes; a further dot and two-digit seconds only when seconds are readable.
9.34.58
